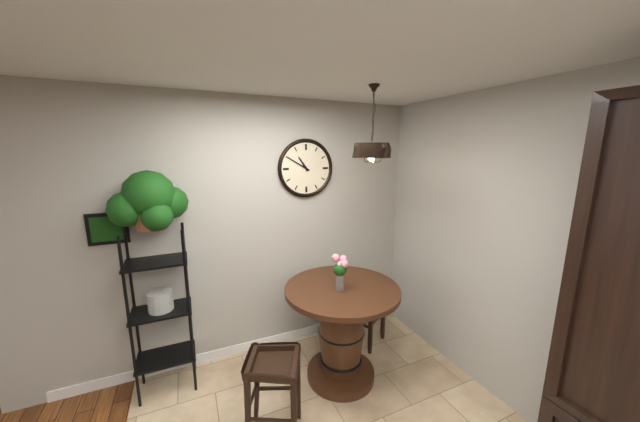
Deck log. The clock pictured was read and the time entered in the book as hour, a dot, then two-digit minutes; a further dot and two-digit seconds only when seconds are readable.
10.50
